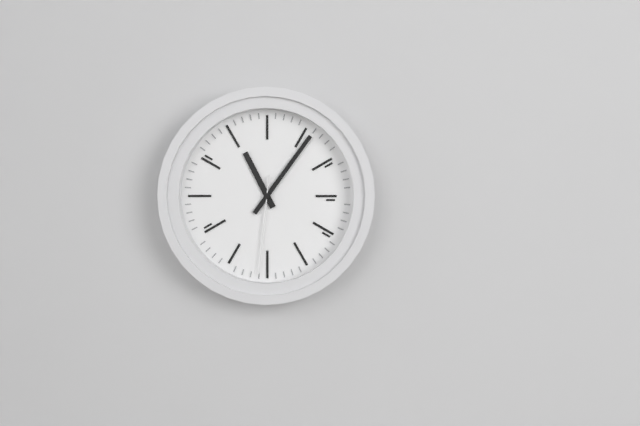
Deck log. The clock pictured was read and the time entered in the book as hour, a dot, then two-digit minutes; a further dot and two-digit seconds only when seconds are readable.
11.06.31
